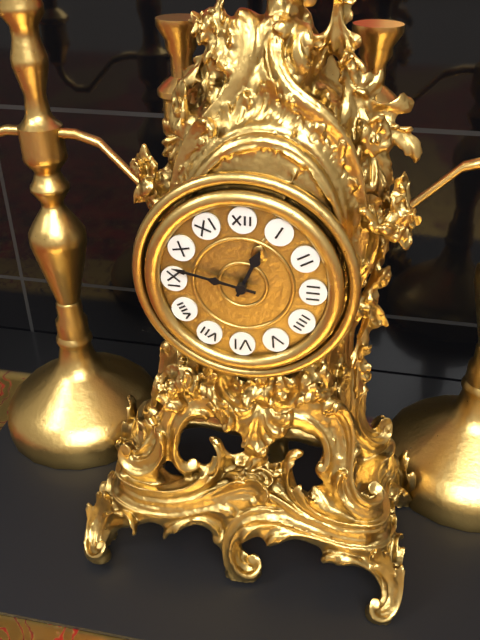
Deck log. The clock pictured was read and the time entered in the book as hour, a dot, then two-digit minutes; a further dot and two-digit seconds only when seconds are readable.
12.47
